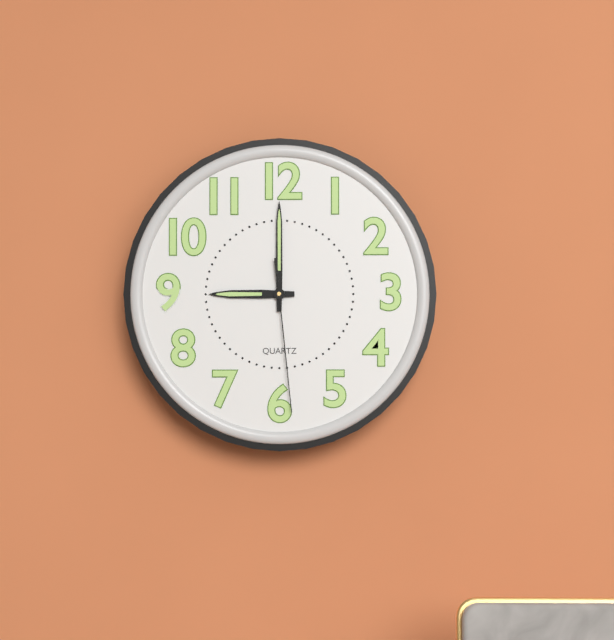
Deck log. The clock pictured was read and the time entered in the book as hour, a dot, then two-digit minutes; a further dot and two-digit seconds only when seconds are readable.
9.00.29
